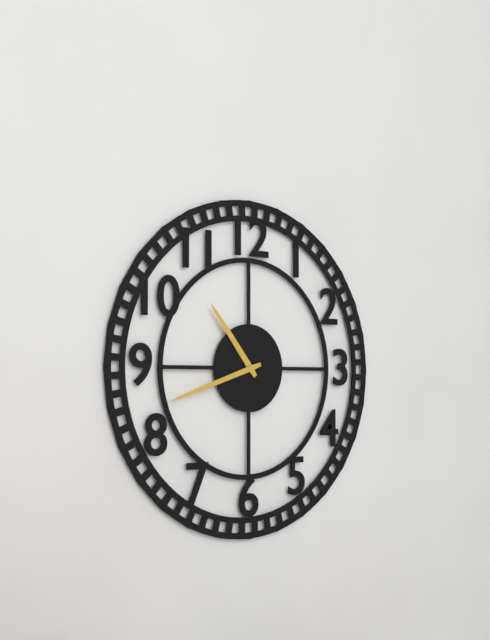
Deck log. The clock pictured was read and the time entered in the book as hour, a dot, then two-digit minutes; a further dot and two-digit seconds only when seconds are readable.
10.42
